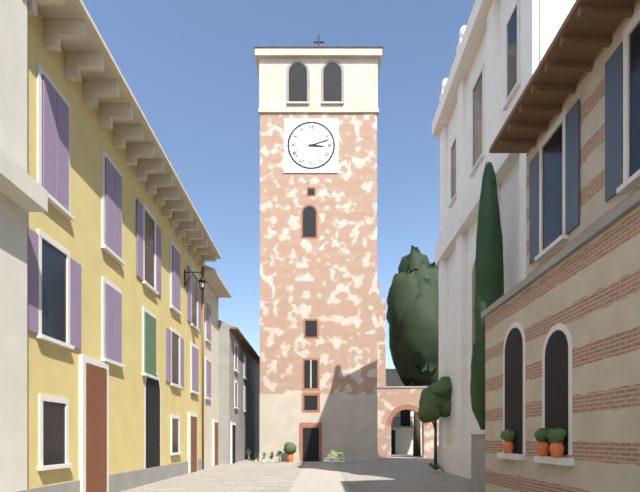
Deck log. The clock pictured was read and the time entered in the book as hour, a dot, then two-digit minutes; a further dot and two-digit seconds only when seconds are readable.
3.12
